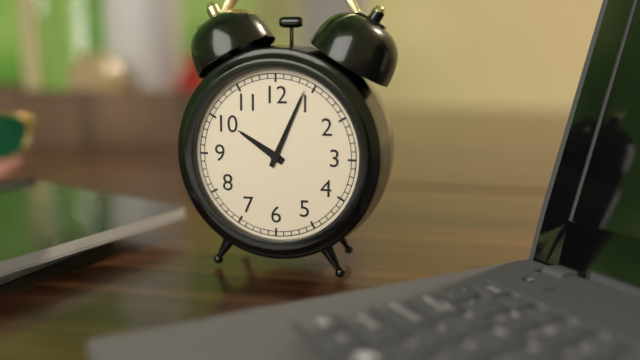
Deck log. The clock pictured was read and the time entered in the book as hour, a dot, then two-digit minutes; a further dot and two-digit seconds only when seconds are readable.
10.04
